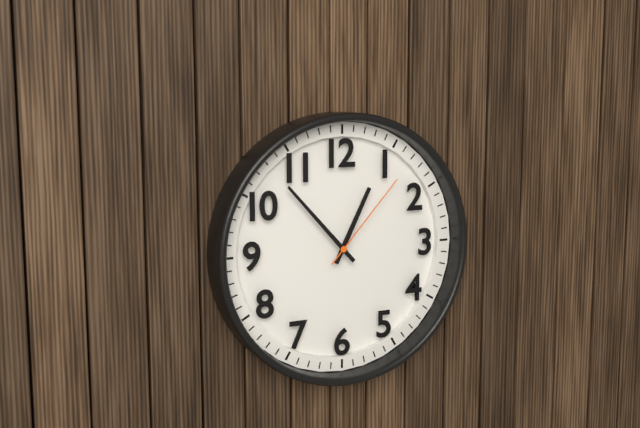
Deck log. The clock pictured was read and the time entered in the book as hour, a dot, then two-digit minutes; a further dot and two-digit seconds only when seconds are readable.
12.53.07
